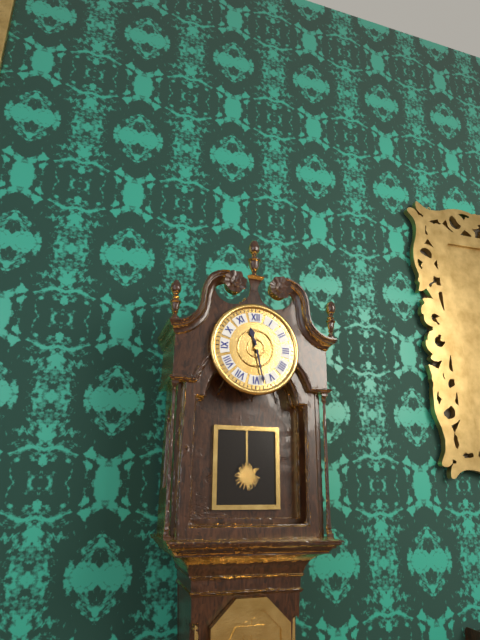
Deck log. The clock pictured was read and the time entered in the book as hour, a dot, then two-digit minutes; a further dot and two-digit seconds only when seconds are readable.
11.28
